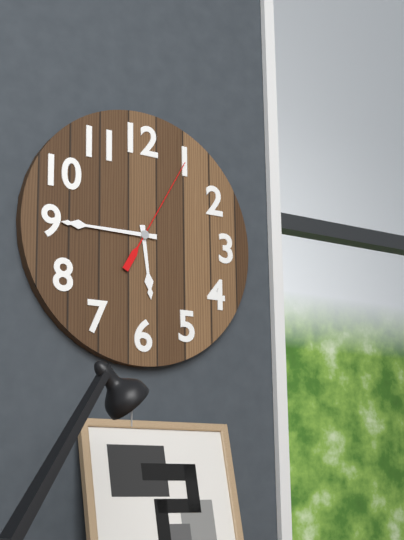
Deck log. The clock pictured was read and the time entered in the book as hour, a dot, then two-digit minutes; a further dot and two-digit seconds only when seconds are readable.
5.45.05
